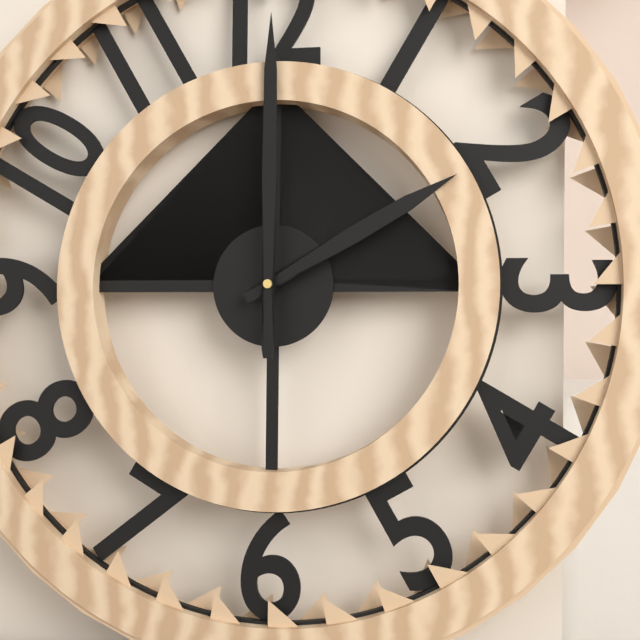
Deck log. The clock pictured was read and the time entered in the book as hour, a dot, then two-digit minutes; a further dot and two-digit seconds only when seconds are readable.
2.00
